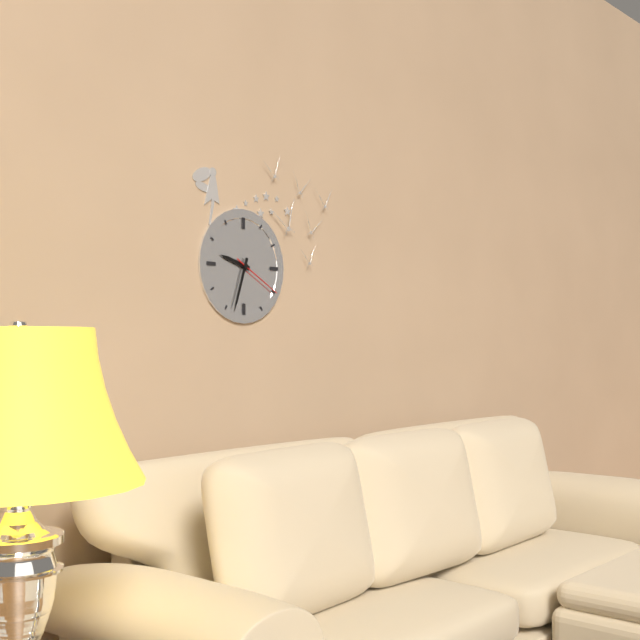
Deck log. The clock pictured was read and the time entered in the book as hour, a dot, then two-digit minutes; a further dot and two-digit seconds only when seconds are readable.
9.33.20
